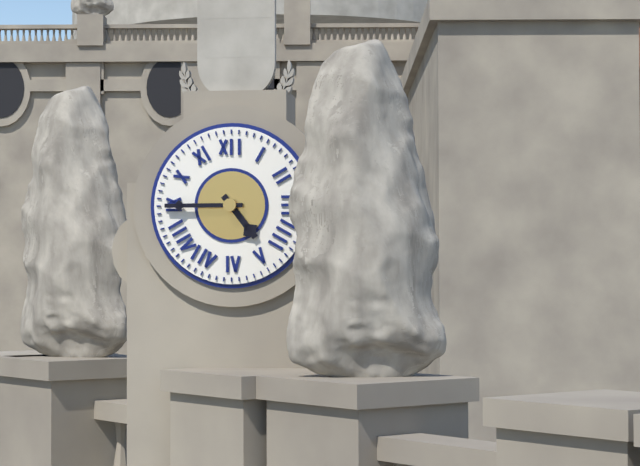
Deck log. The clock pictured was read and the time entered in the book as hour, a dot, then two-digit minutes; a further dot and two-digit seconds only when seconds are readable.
4.45
